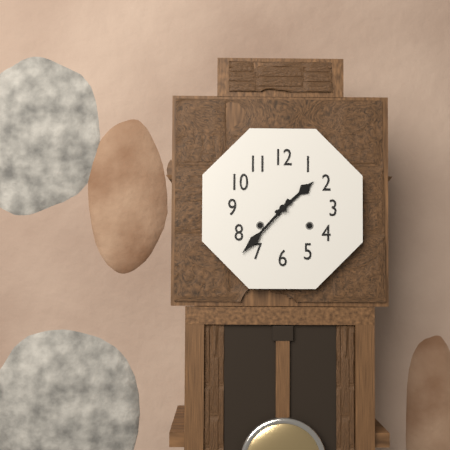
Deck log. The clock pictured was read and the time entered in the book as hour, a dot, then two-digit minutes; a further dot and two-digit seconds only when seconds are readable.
1.37
